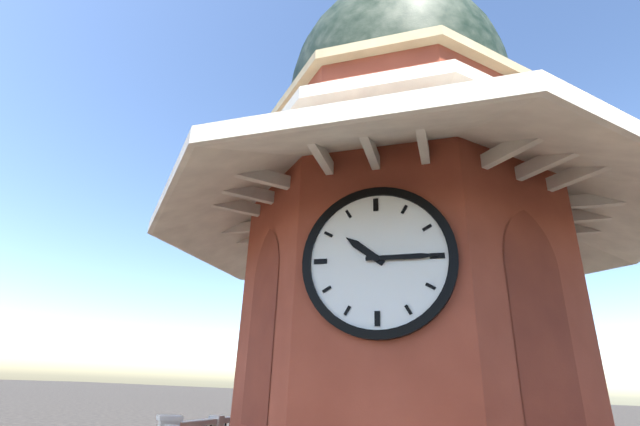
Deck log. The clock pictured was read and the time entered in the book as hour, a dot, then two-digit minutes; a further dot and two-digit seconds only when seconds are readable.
10.15
